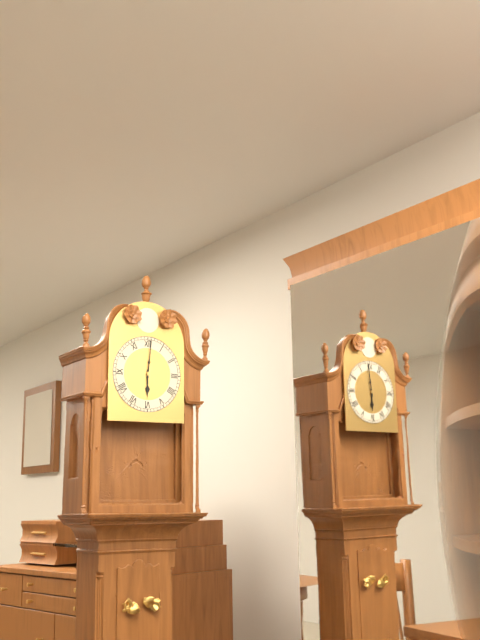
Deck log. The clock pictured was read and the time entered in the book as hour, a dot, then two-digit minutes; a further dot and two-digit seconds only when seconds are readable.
6.01
